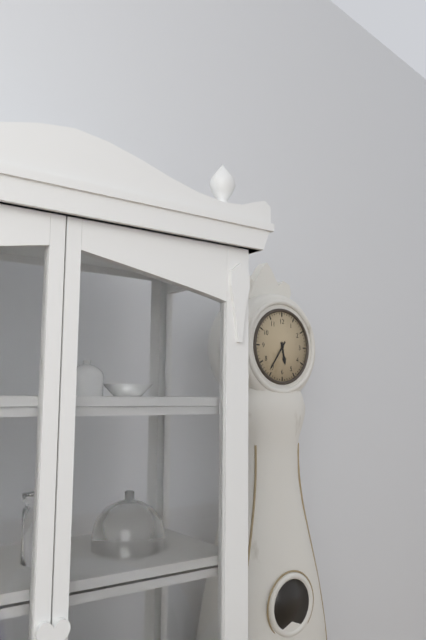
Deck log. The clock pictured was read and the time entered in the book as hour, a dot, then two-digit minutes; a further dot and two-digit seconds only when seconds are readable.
5.36
